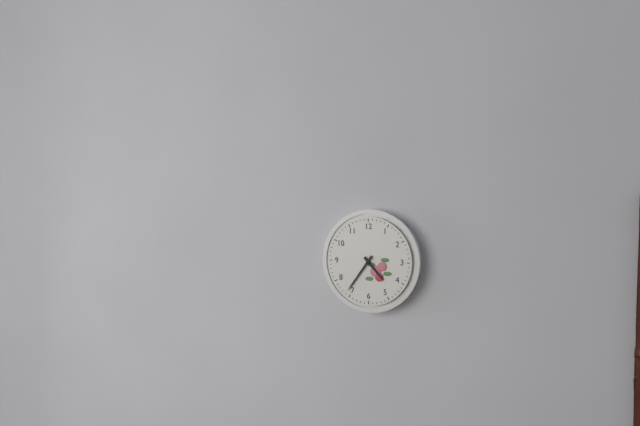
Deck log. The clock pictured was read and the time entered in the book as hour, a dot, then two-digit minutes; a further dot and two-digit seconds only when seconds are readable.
4.36
